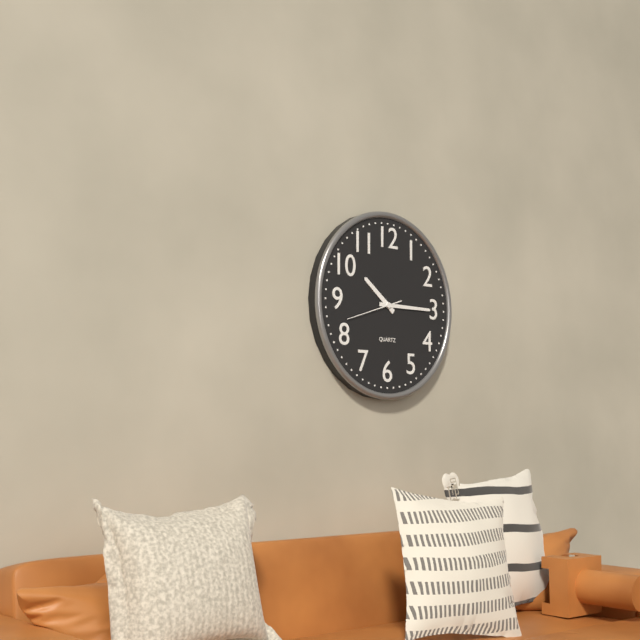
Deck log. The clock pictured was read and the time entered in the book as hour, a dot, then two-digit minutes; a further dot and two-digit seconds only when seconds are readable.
10.15.42
